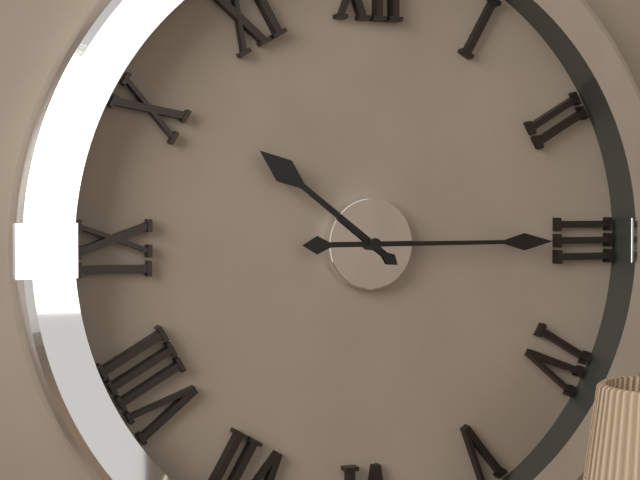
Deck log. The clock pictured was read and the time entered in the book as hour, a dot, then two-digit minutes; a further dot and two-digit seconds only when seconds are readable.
10.15
